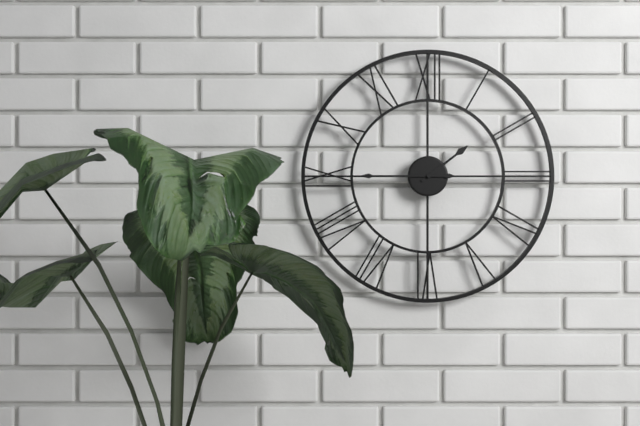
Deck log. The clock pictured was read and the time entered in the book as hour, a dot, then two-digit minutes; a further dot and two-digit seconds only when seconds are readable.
1.45
